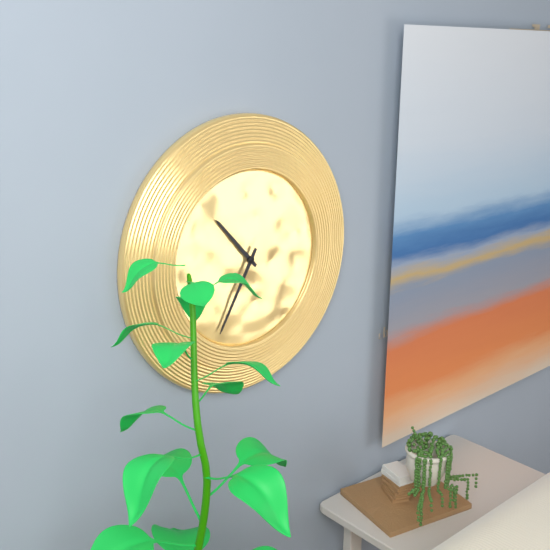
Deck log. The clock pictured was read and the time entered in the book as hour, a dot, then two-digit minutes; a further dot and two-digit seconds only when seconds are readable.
10.35
